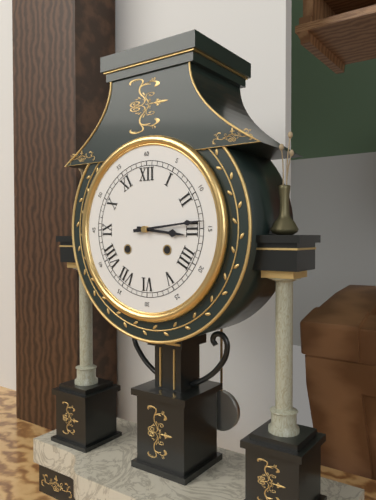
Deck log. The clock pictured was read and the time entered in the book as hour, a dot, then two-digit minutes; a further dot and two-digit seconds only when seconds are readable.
3.14
